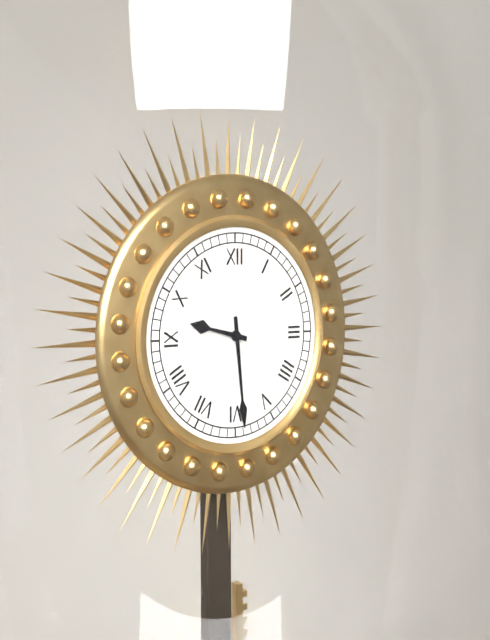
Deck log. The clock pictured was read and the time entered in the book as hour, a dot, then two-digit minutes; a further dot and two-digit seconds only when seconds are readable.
9.29
